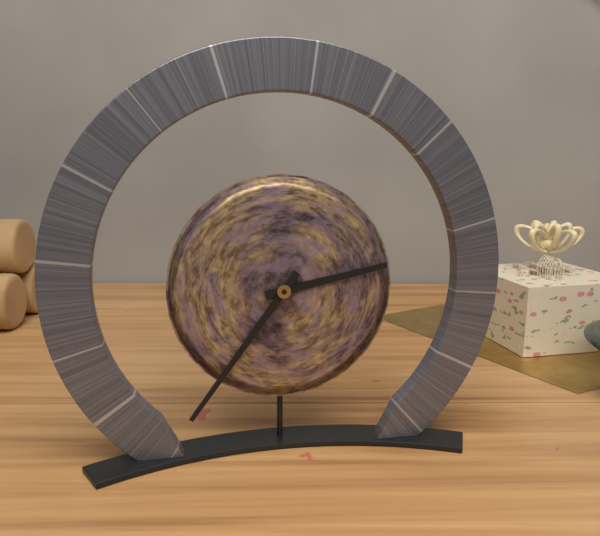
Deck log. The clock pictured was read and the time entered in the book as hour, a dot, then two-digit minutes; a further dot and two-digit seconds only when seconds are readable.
2.36
